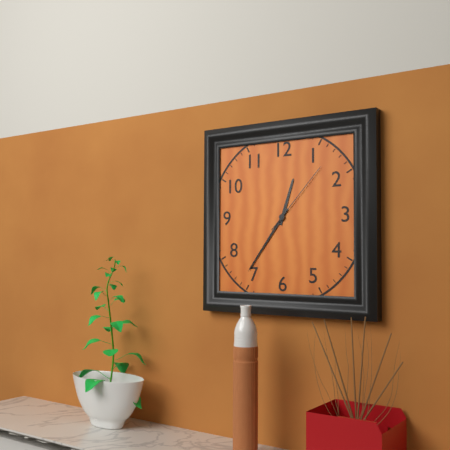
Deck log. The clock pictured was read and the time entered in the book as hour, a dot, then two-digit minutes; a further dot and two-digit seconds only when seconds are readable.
12.36.07
